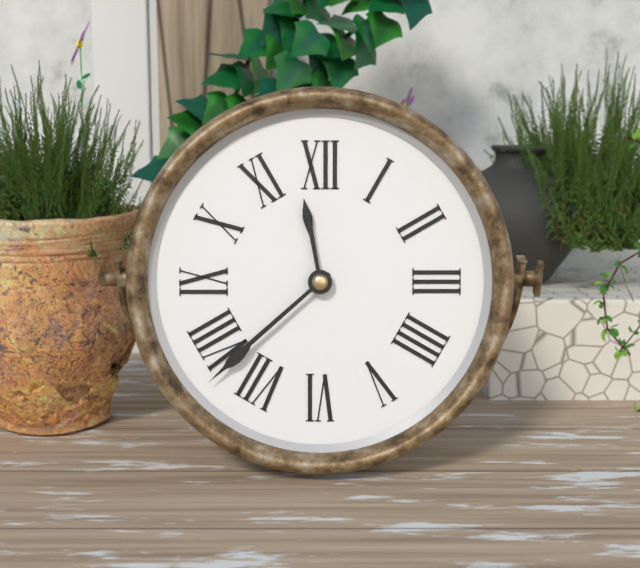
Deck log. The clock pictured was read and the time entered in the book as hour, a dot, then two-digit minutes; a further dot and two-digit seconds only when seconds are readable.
11.38
